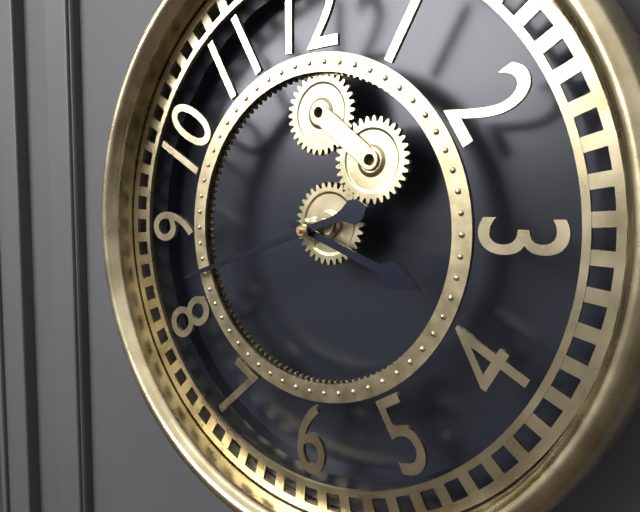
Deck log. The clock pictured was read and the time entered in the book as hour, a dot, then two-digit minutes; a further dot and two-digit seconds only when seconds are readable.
3.42
